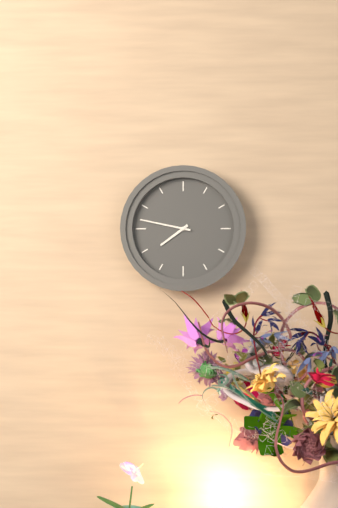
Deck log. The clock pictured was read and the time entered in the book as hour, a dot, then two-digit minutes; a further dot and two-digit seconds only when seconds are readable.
7.47
